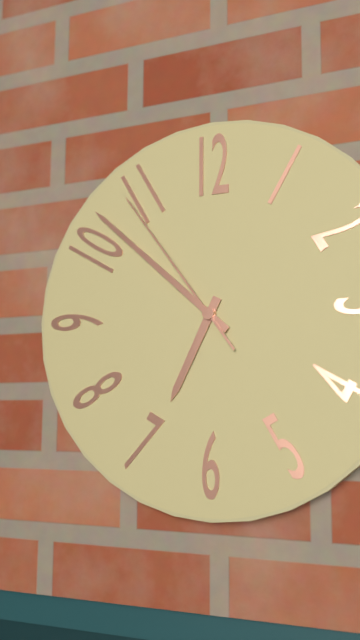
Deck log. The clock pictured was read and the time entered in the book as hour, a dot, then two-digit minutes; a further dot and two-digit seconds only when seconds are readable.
6.52.54
